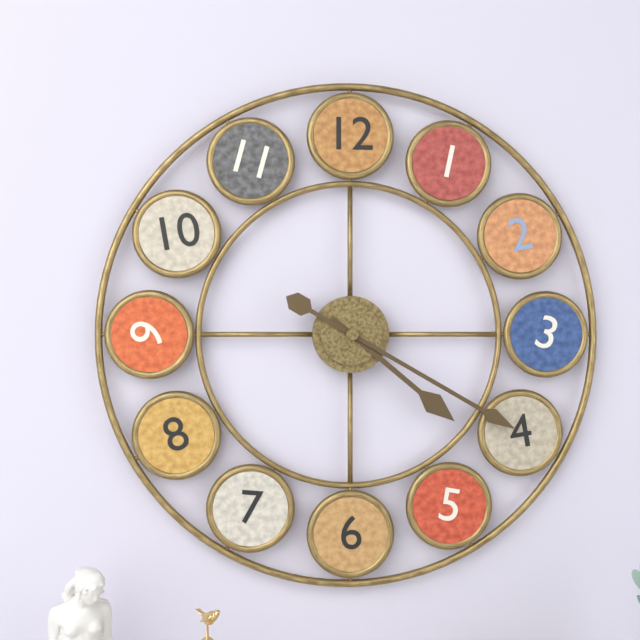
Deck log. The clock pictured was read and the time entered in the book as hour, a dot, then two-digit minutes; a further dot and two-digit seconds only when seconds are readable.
4.20
